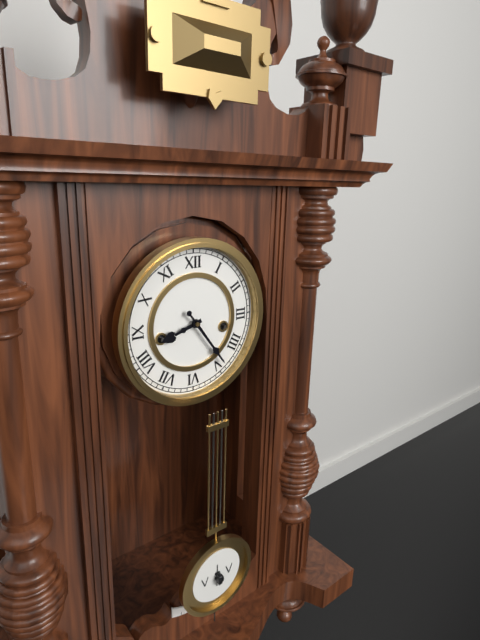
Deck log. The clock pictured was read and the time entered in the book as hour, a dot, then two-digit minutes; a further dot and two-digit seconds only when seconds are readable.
8.24
